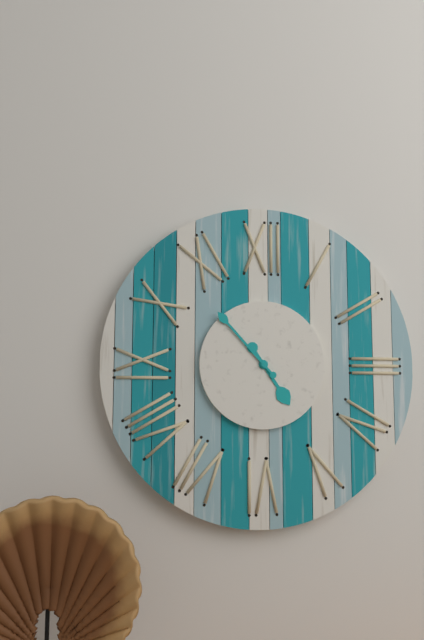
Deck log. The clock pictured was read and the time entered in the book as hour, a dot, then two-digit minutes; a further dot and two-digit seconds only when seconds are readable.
4.53
